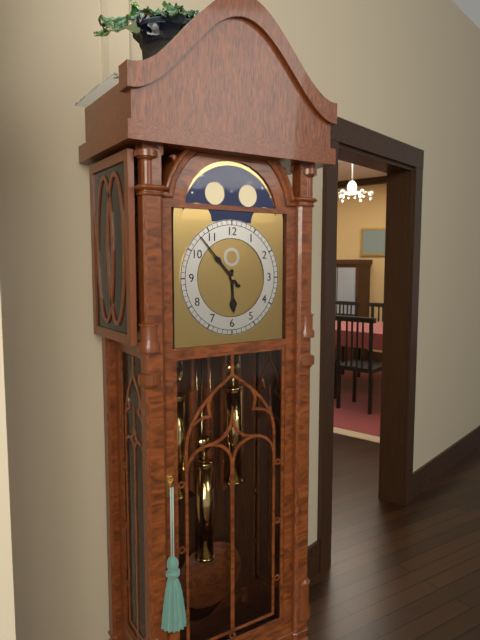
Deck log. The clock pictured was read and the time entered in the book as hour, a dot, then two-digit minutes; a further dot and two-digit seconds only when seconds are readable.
5.53
